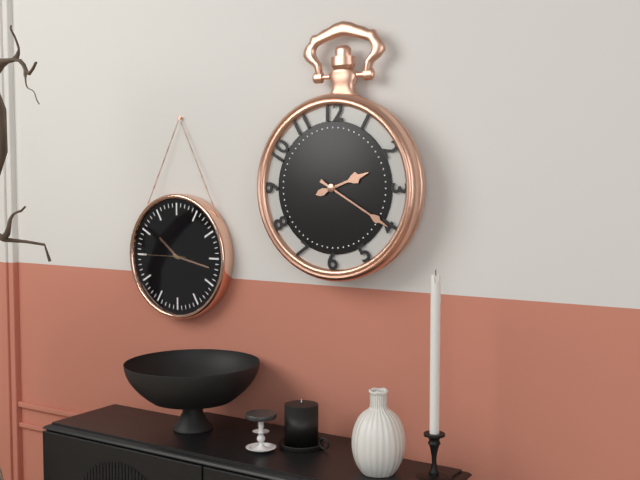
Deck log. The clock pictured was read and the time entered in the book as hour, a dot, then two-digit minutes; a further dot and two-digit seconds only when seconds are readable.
2.20
